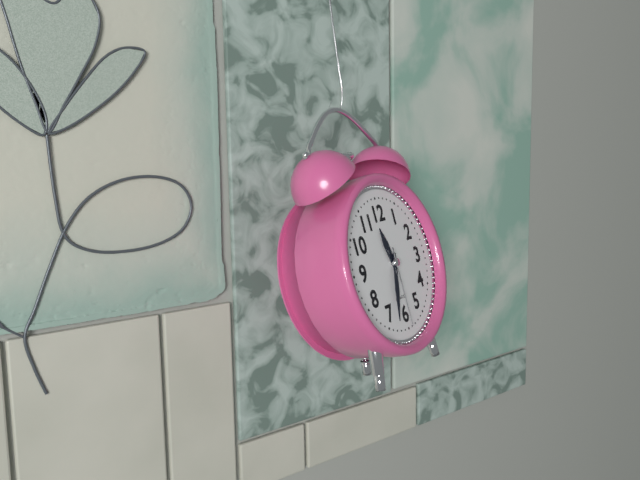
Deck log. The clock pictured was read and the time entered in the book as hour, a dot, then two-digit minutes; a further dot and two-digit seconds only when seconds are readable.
11.33.30
